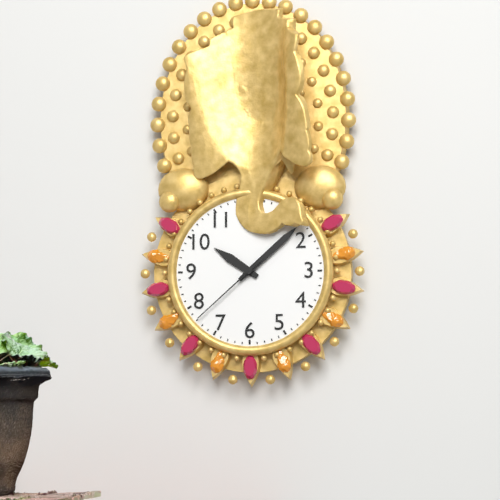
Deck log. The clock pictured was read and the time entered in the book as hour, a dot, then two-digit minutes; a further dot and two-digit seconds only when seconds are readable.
10.08.38
